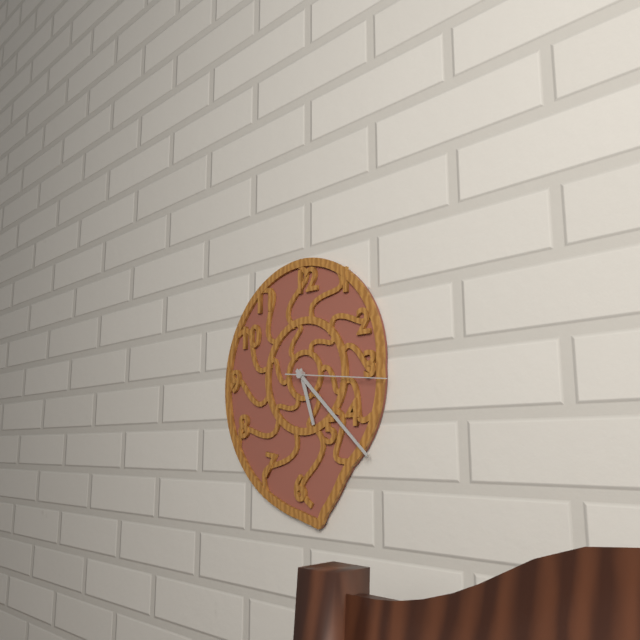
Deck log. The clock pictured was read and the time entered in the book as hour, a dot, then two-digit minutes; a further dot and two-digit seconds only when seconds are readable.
5.22.16
